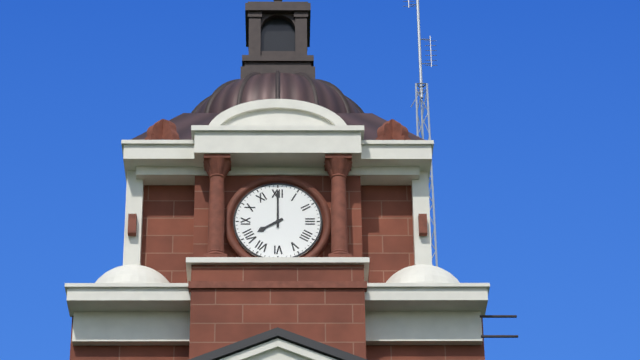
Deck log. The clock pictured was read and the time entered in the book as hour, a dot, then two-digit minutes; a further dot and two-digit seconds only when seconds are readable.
8.00
